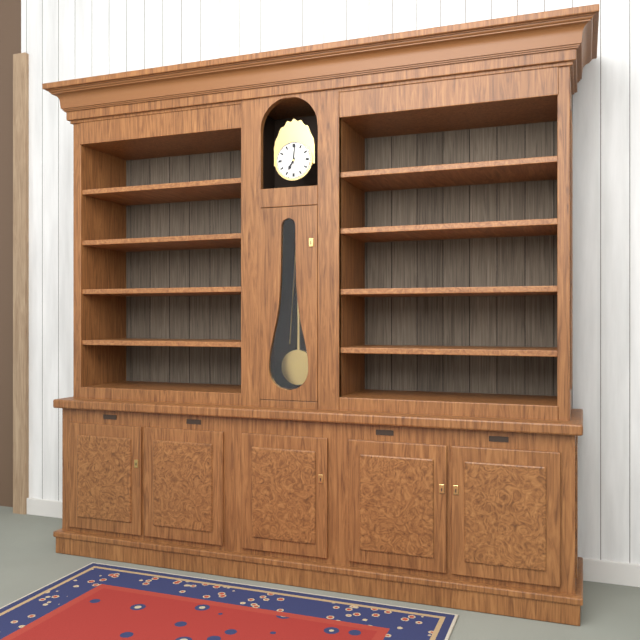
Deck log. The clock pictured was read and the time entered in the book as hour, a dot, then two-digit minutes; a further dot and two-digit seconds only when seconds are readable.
7.01
